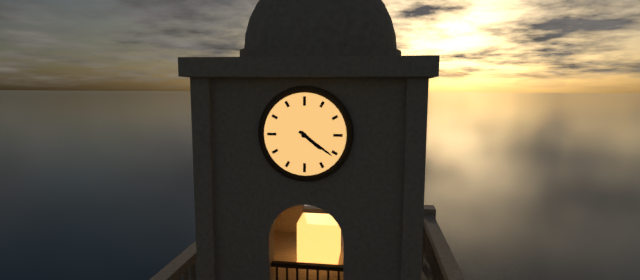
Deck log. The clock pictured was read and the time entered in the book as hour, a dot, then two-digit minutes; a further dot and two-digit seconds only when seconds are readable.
4.21
